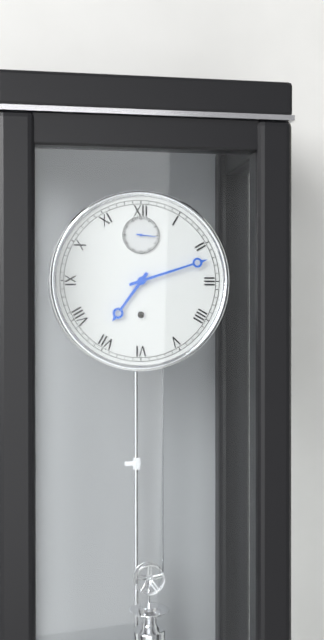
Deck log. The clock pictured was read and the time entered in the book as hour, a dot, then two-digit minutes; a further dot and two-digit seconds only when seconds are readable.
7.12
